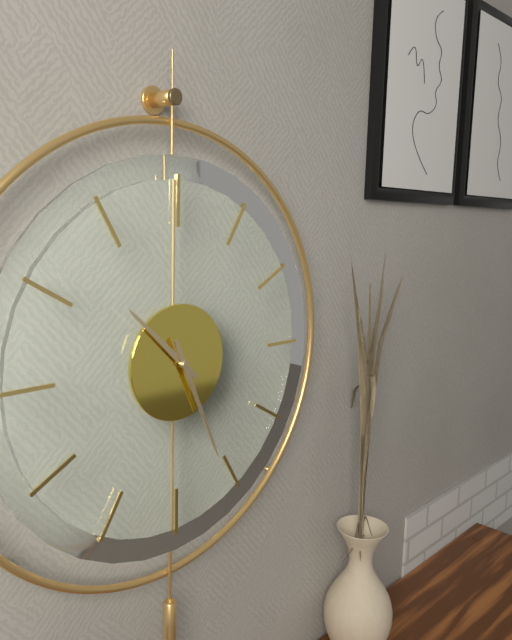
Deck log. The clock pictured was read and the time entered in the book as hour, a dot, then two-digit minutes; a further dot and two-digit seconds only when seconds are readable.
10.26
